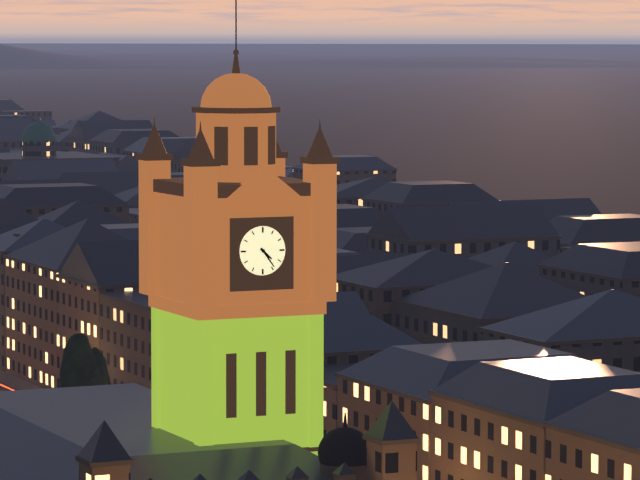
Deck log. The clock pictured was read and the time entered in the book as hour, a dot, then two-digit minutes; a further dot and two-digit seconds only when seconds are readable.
4.24
